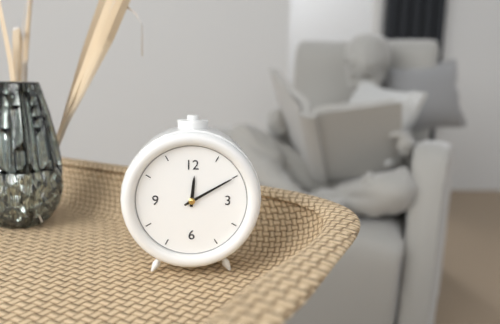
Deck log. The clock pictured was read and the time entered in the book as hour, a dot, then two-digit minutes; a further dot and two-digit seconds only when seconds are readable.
12.10
